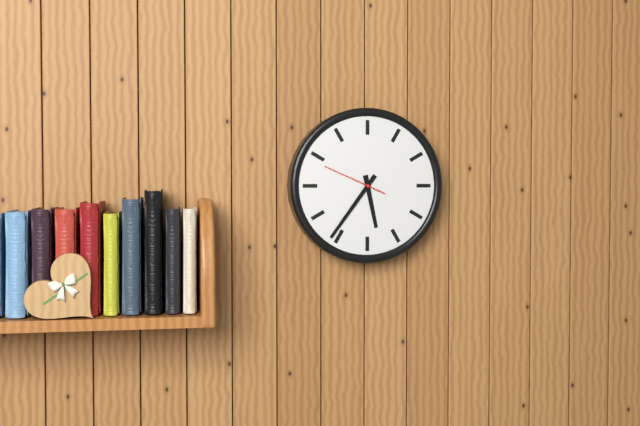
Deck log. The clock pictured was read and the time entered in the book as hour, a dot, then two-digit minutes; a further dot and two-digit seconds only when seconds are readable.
5.36.49
